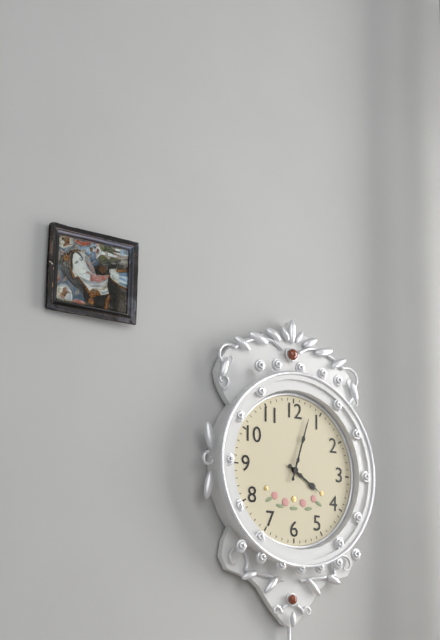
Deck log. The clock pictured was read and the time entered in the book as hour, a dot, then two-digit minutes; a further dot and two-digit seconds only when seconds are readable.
4.03
